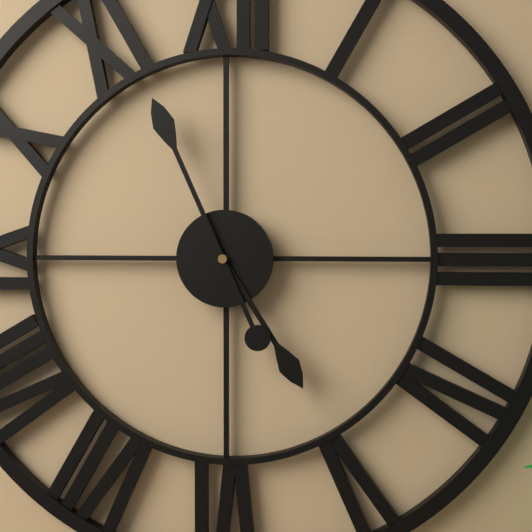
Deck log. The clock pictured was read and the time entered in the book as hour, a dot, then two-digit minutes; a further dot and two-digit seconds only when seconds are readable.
4.56
